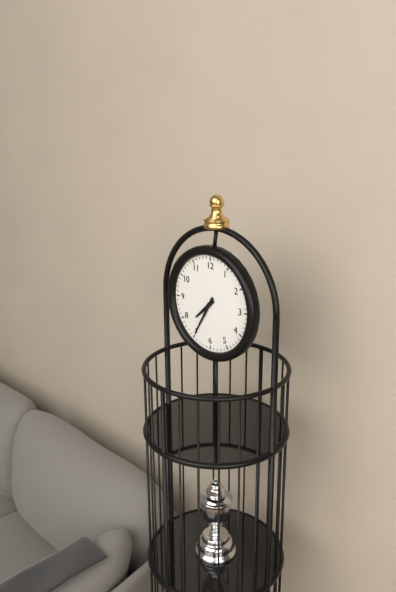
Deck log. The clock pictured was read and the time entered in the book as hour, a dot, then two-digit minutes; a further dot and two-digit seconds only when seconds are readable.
7.35
